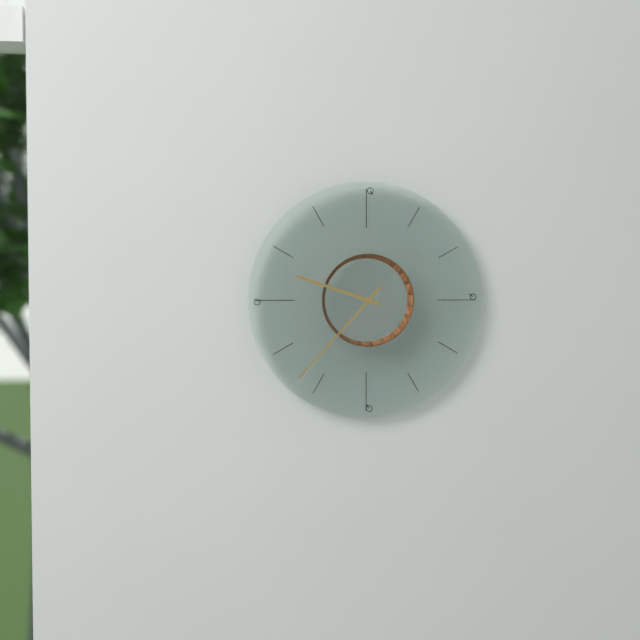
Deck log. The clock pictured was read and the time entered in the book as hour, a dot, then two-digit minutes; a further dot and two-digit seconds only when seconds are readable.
9.37
